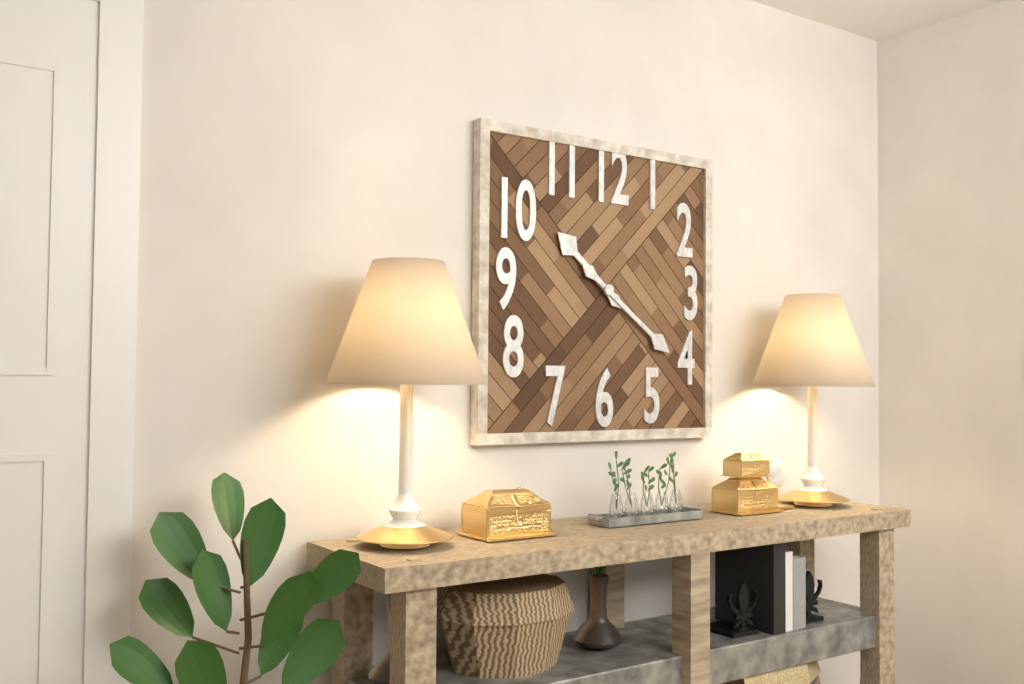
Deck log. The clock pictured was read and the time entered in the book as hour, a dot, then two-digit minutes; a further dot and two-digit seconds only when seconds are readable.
10.21
